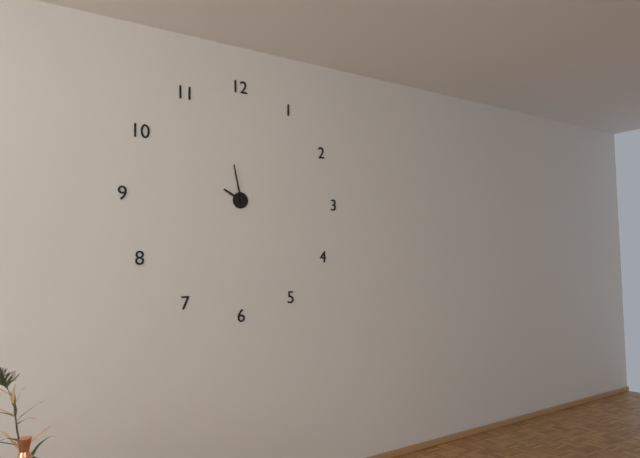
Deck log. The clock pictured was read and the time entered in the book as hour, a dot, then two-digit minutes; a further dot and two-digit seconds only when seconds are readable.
9.58
